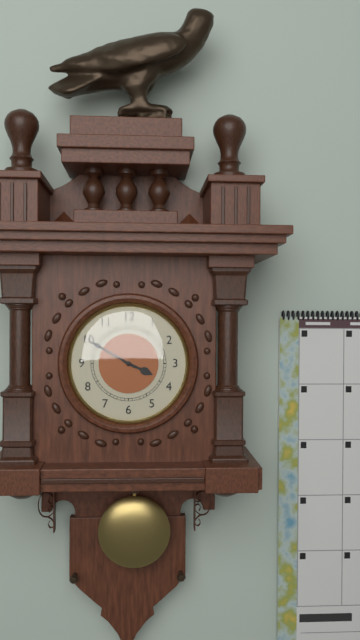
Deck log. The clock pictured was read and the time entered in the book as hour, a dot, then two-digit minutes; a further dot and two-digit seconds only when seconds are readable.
3.50
